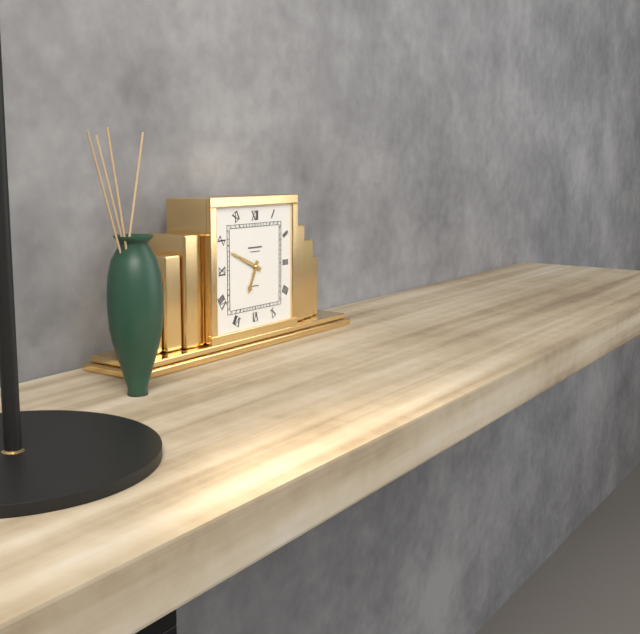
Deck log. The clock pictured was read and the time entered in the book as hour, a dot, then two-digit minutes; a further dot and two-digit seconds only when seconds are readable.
6.49
